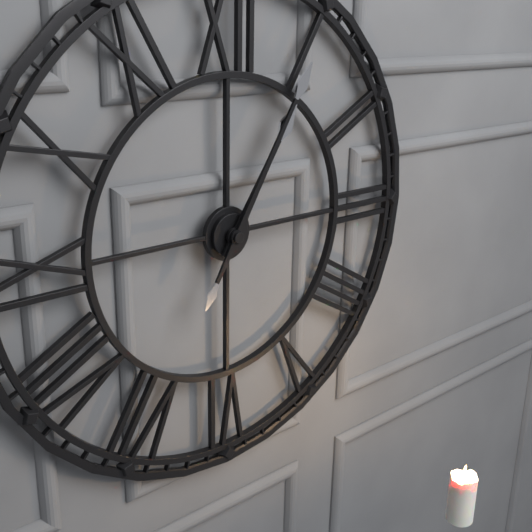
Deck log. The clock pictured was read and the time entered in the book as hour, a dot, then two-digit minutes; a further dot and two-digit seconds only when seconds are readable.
1.05
